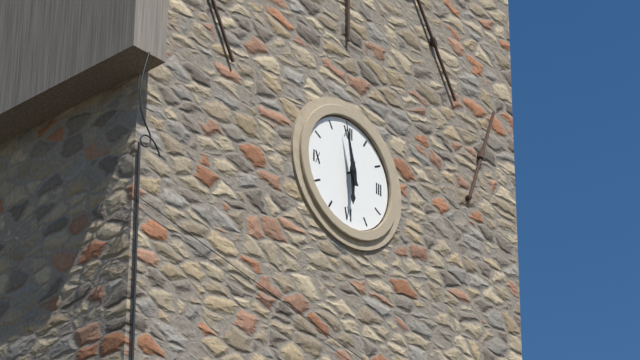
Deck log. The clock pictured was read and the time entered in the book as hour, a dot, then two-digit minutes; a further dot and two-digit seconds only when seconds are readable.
5.58
